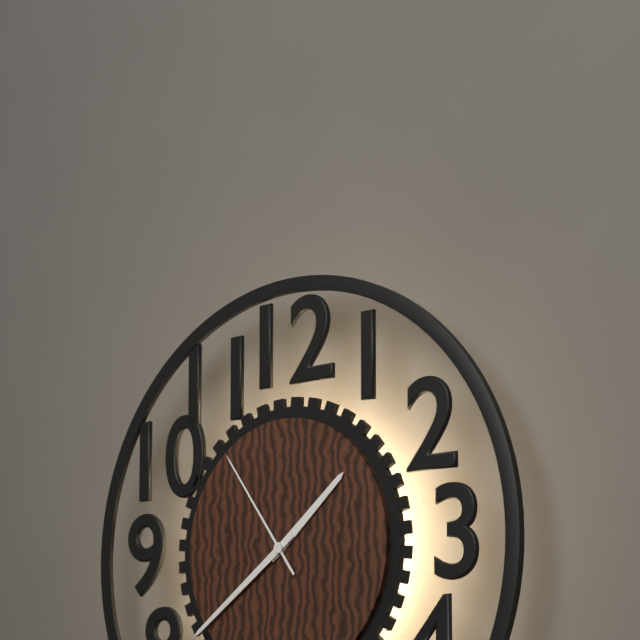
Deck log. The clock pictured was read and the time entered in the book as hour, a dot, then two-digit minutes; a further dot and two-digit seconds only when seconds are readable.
1.39.54
